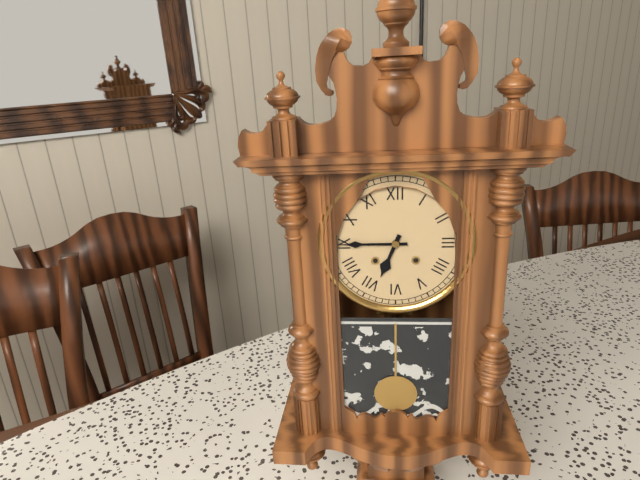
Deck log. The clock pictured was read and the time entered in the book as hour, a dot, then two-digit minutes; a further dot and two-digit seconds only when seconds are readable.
6.45
